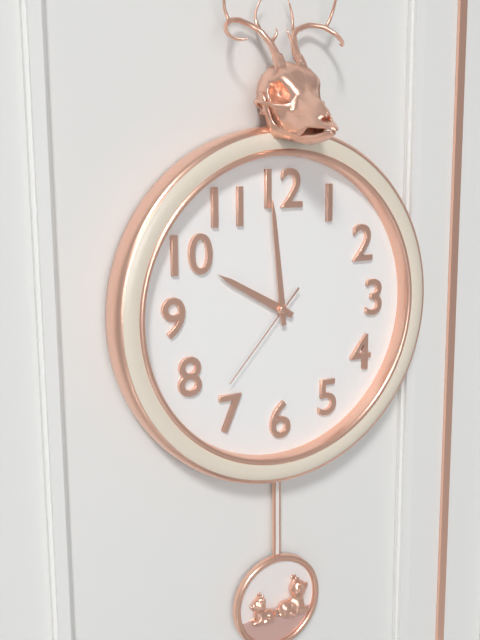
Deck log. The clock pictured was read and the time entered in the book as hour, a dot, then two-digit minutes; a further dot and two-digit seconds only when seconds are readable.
9.59.37
